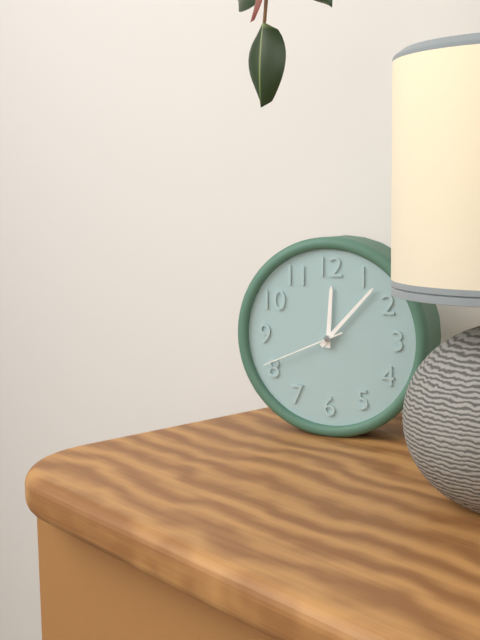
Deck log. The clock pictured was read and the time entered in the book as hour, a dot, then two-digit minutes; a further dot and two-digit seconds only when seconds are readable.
12.07.41
